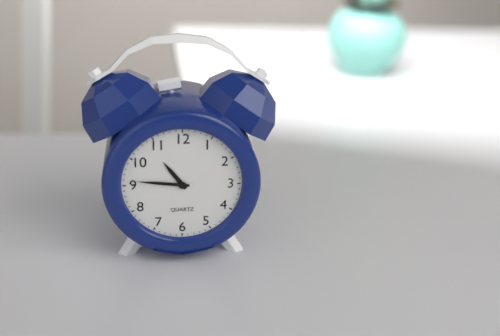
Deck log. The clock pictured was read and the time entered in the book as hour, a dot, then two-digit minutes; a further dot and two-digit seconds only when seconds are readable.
10.46
